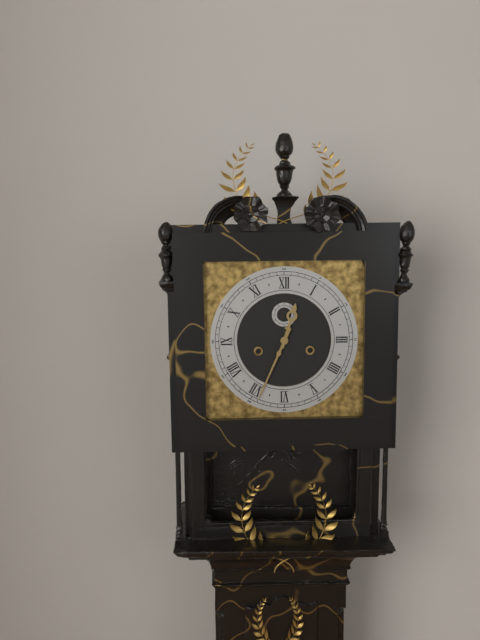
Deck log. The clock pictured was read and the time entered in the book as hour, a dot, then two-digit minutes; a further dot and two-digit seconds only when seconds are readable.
12.34
